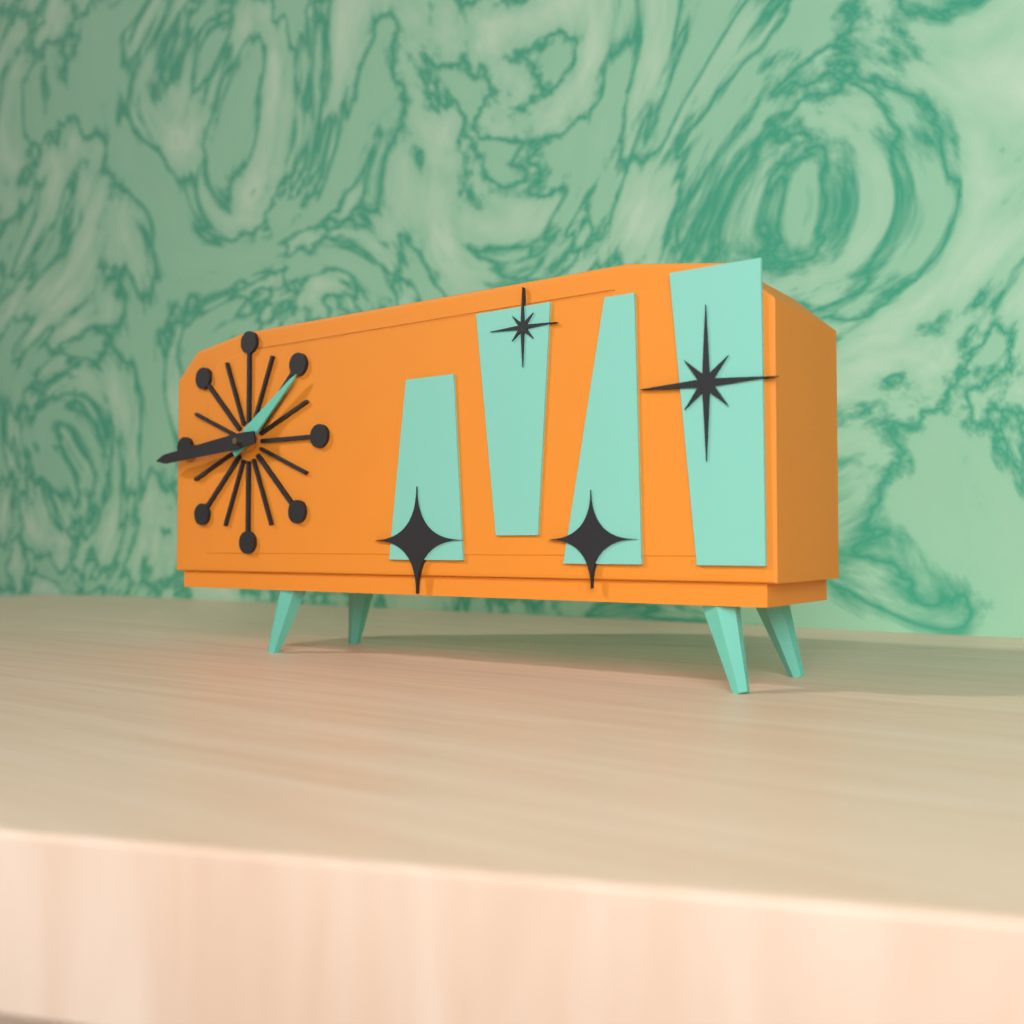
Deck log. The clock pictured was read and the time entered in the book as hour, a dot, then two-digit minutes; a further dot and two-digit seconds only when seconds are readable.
1.44
